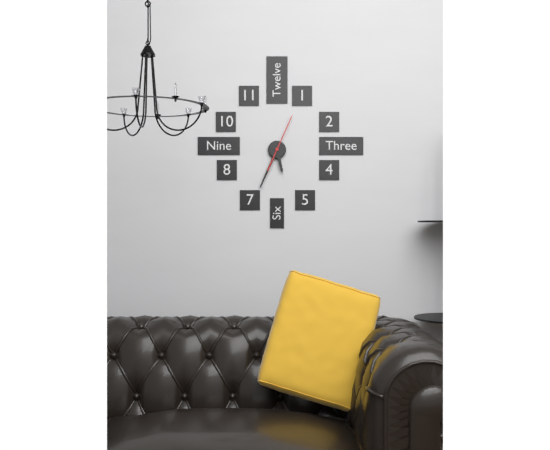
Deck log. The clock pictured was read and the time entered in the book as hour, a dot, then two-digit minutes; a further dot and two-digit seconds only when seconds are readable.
5.34
